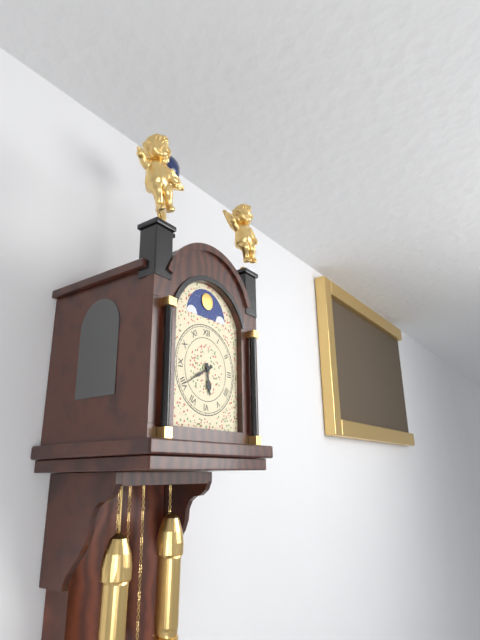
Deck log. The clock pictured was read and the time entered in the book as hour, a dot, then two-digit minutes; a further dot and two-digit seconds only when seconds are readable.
5.40
